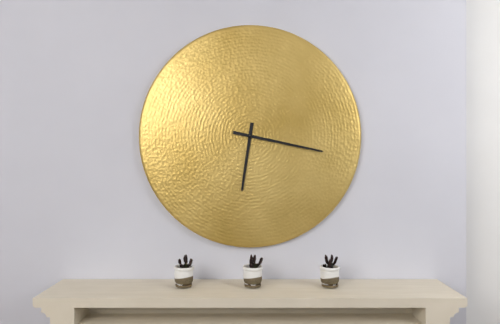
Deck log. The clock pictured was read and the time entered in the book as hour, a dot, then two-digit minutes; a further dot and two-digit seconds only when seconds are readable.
6.17
